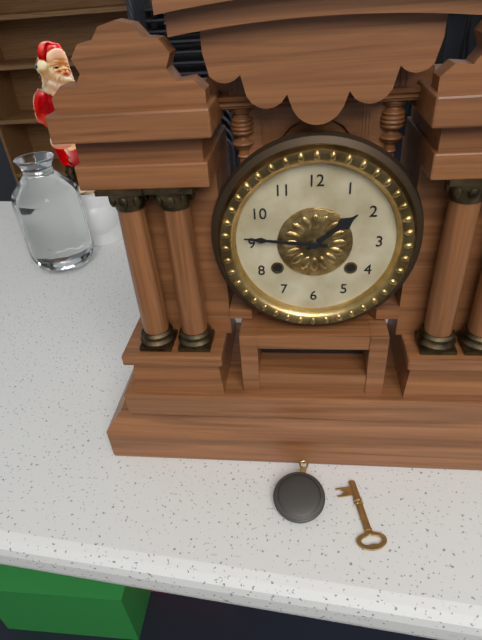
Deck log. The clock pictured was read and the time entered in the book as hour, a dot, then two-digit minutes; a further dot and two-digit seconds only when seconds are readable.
1.46
